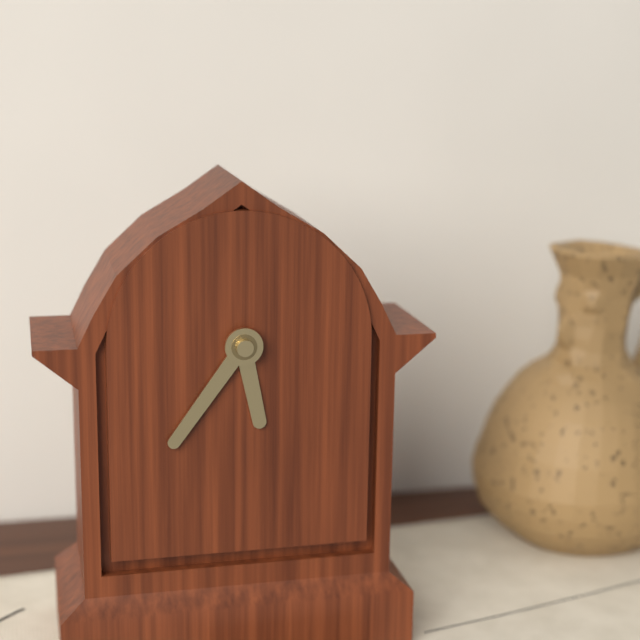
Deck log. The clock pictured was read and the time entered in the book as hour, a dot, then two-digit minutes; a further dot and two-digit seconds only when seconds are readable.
5.36
